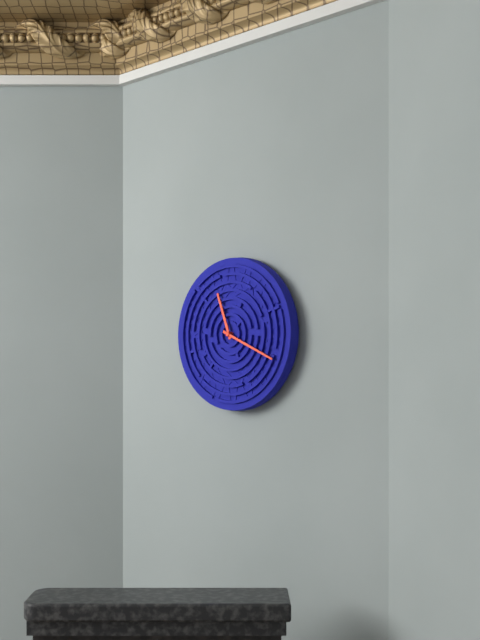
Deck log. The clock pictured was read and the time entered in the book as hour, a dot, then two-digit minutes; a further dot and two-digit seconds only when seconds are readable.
11.19
